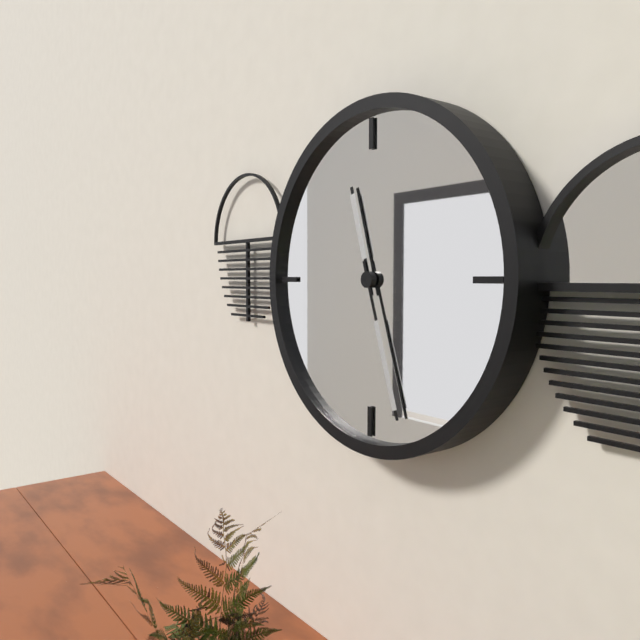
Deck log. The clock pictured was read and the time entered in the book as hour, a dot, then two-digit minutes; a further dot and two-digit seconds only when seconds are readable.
11.27
